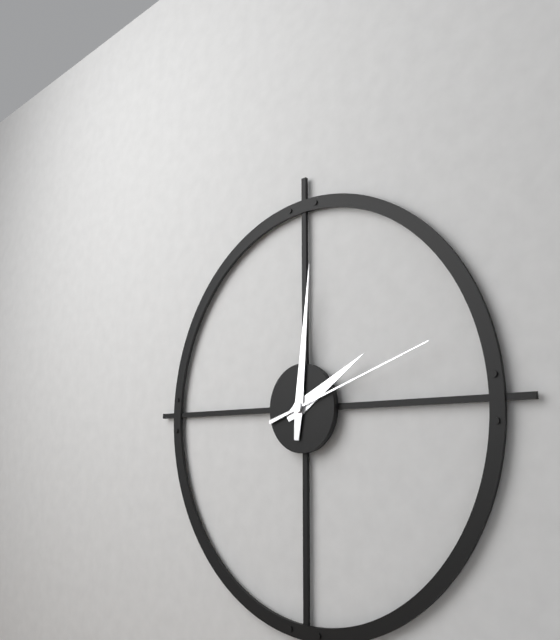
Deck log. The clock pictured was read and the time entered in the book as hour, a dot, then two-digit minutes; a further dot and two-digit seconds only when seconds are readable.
2.01.12
